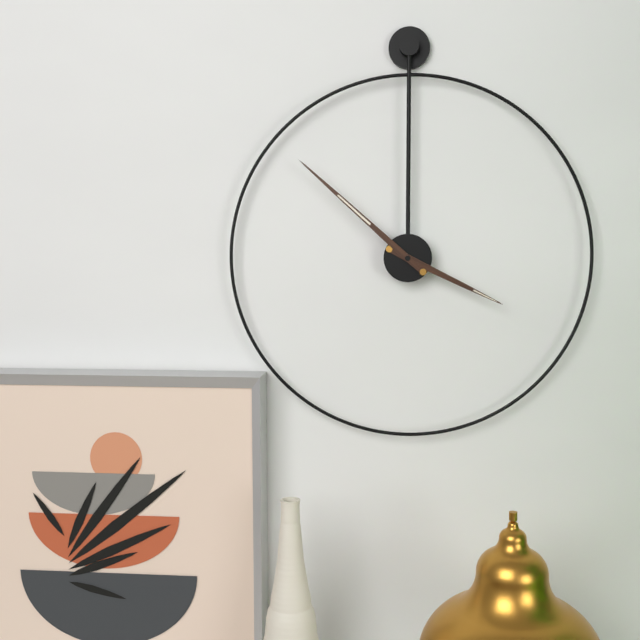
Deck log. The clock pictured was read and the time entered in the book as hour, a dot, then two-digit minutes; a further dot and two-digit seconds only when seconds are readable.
3.52
